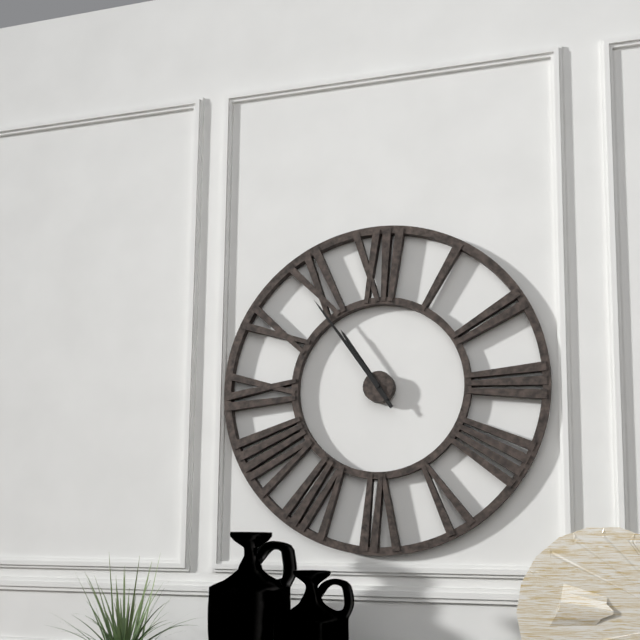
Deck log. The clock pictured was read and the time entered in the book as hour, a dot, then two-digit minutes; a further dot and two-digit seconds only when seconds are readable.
10.54
